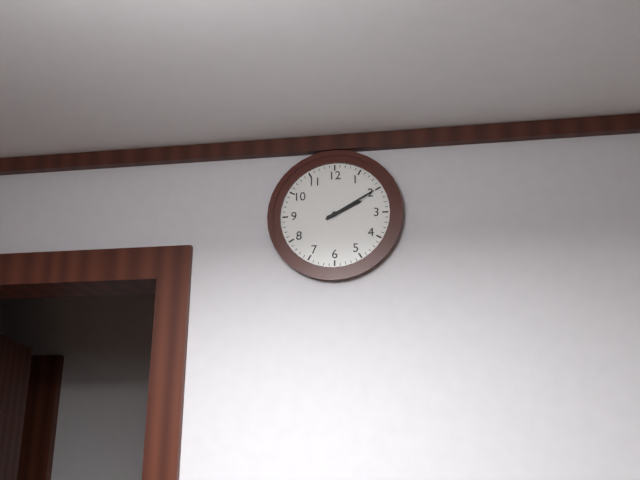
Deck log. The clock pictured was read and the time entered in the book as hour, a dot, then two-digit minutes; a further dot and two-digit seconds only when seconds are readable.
2.10
